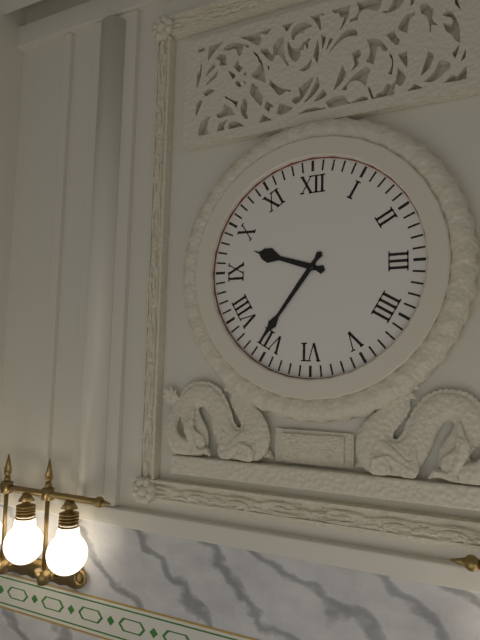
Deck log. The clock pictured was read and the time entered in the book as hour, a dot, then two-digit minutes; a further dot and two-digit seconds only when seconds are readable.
9.36
